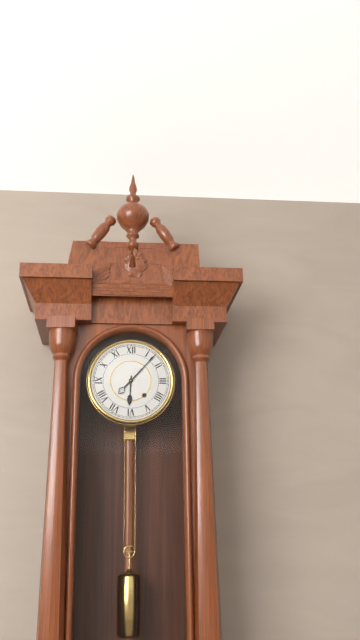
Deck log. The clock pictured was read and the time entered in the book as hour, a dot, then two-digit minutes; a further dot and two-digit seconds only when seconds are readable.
6.07
